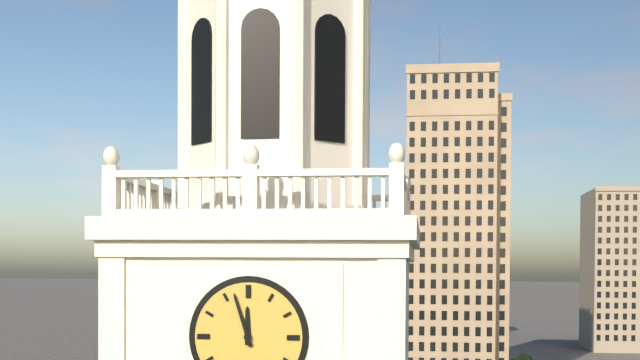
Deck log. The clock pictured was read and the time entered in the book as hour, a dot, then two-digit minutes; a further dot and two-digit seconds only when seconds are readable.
11.57
